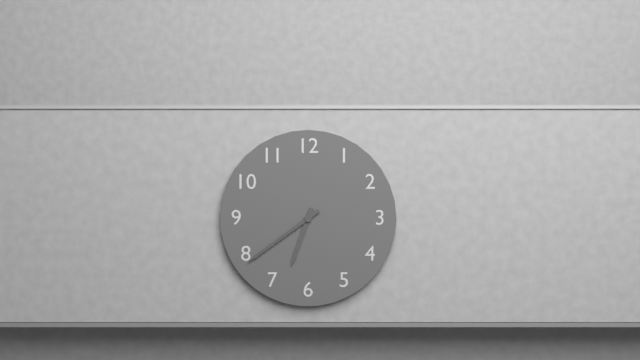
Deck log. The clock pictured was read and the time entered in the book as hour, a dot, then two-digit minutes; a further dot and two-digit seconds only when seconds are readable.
6.39
